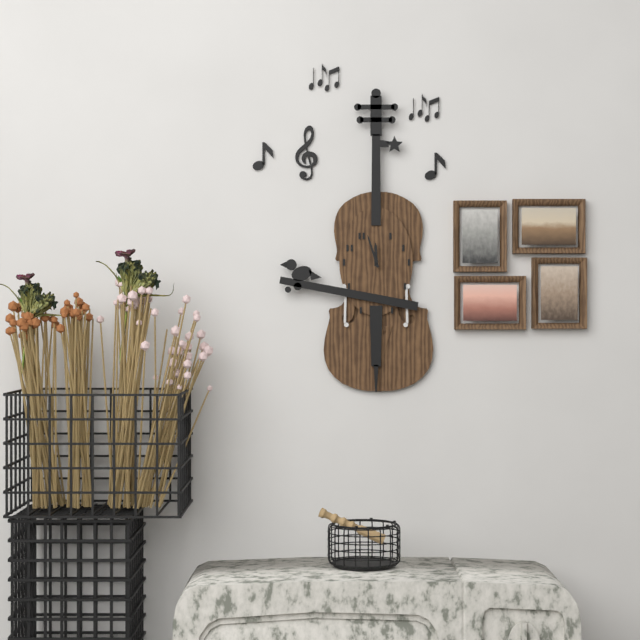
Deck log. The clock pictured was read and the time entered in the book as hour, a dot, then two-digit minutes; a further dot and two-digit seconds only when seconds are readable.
11.57
